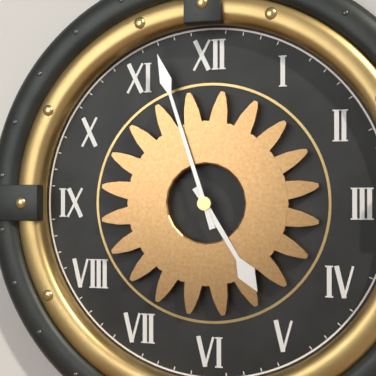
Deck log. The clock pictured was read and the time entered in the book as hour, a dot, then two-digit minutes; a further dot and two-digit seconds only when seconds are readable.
4.57
